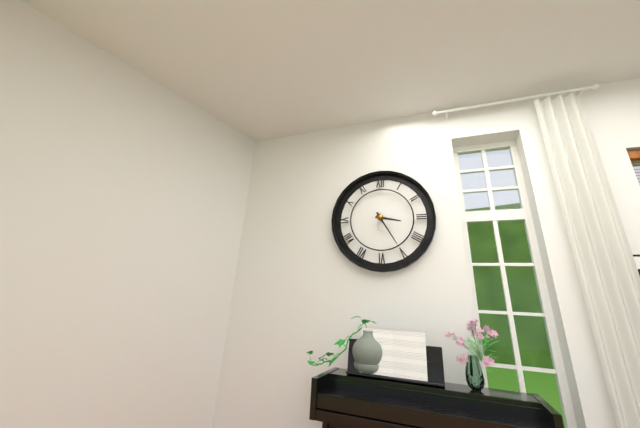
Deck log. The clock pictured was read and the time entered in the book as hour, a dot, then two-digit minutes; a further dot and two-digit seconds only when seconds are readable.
3.25
